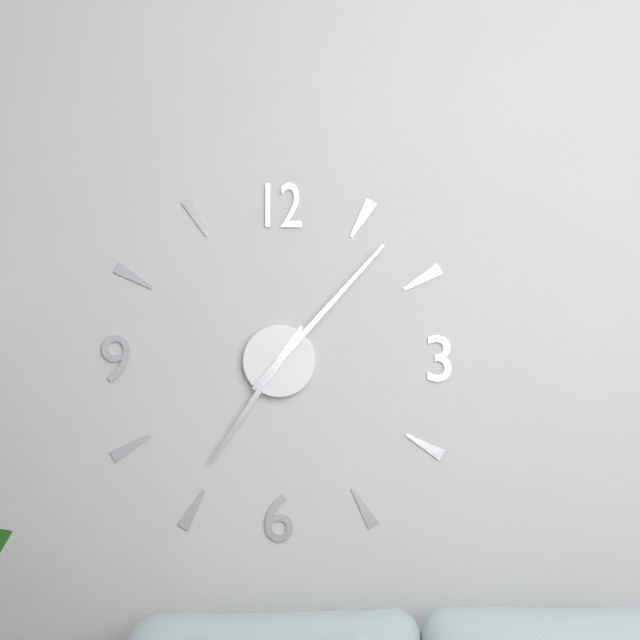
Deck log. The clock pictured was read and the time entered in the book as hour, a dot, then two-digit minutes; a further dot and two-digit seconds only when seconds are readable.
7.07
